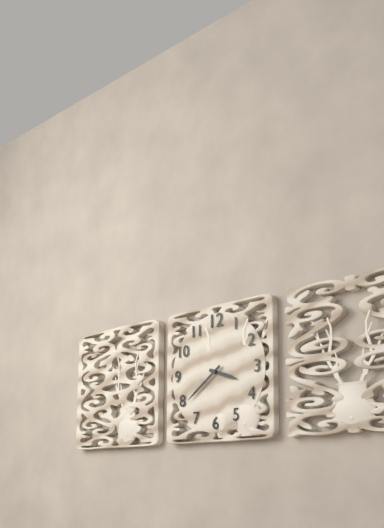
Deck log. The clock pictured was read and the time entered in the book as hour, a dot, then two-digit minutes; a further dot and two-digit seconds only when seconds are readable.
3.39
